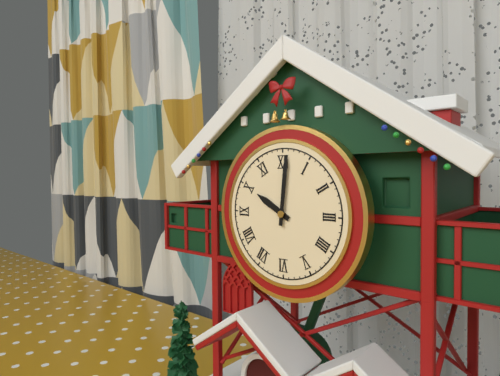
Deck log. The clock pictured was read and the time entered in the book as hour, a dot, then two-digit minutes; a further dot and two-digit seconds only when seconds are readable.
10.01
